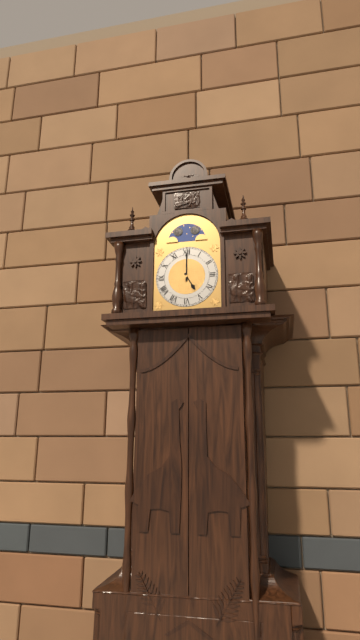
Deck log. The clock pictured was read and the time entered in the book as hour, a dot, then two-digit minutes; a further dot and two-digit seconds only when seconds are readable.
5.00
